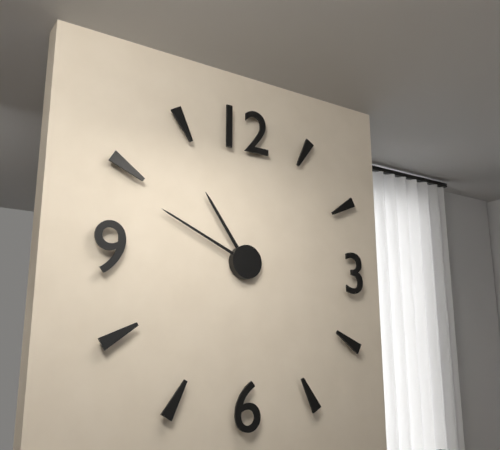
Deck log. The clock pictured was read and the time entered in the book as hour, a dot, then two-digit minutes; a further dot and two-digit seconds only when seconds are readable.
10.49
